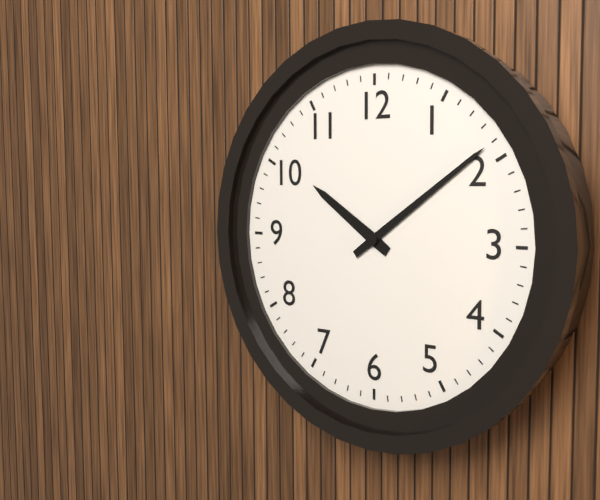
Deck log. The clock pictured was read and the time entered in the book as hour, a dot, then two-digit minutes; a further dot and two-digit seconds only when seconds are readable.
10.09
